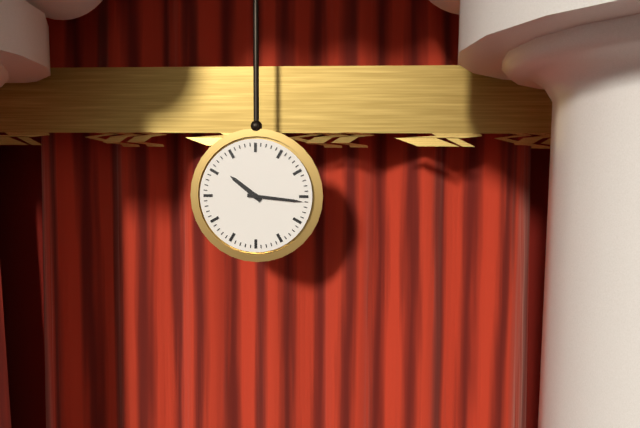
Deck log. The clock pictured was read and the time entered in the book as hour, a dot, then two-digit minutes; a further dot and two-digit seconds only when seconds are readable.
10.16
